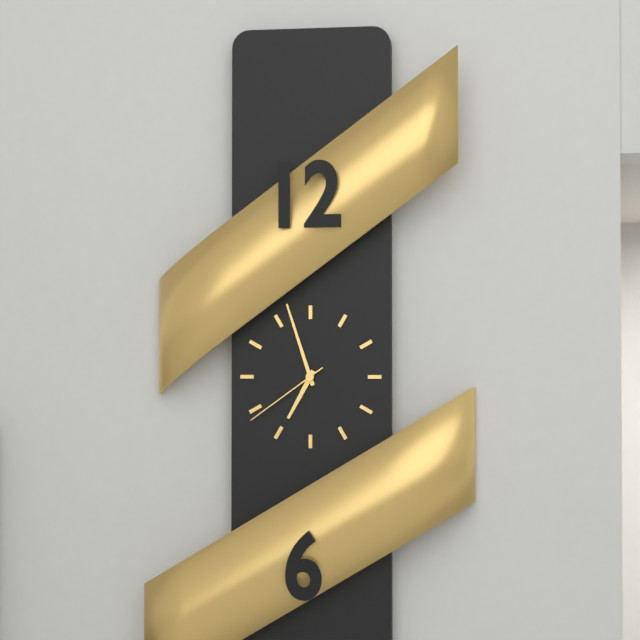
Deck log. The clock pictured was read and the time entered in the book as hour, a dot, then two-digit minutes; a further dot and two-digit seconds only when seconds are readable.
6.57.39
